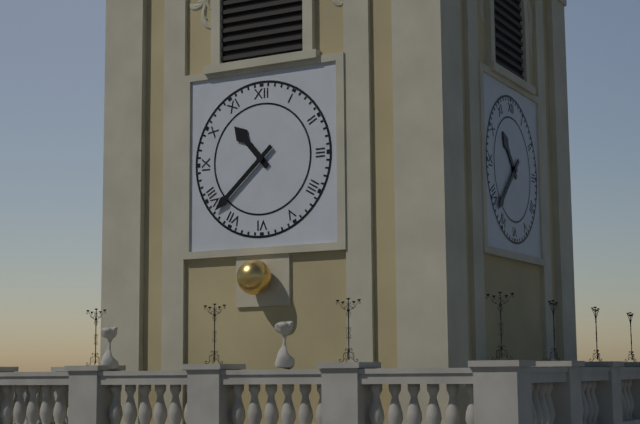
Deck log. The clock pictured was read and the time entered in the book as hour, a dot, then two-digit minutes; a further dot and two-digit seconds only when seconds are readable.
10.38
